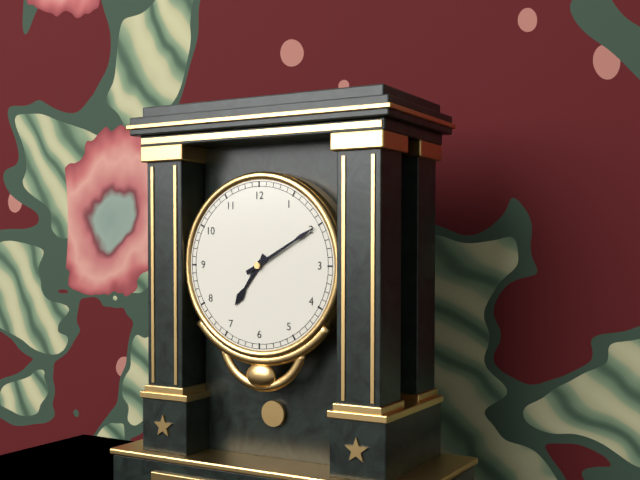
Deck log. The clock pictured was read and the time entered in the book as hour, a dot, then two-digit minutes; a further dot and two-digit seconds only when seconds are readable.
7.10
